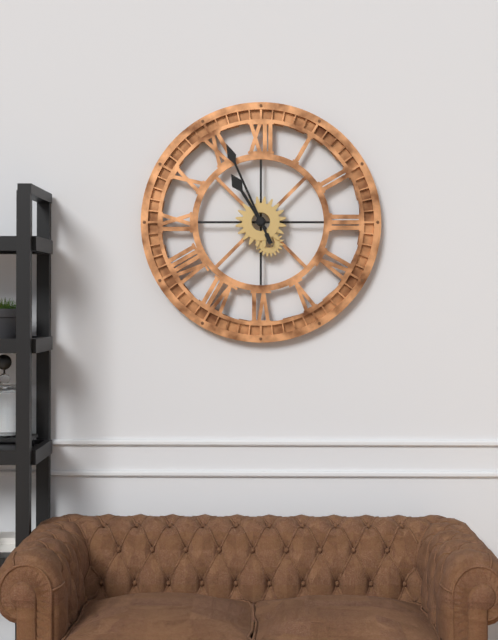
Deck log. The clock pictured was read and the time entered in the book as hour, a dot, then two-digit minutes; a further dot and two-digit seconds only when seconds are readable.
10.56
